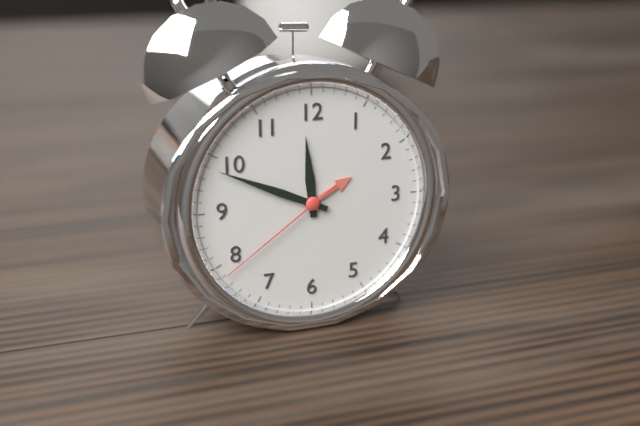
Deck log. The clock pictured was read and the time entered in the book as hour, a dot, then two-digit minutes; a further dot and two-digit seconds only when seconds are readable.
11.49.39
